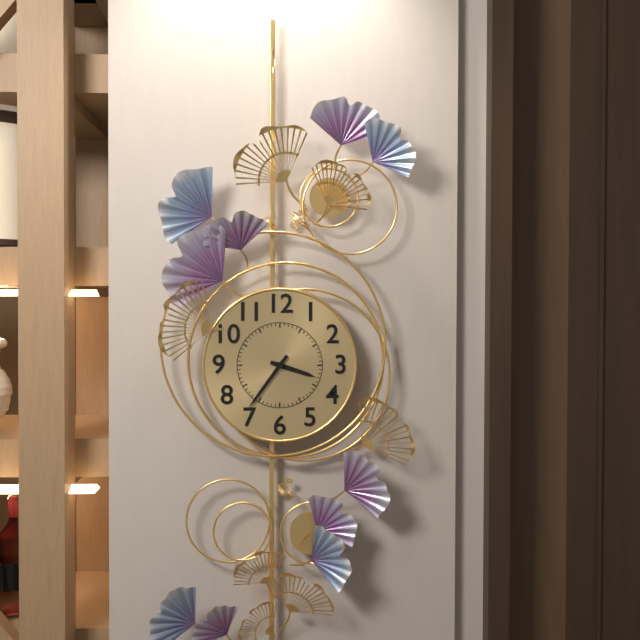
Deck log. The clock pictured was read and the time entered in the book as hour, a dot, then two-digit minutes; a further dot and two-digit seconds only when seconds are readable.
3.36
